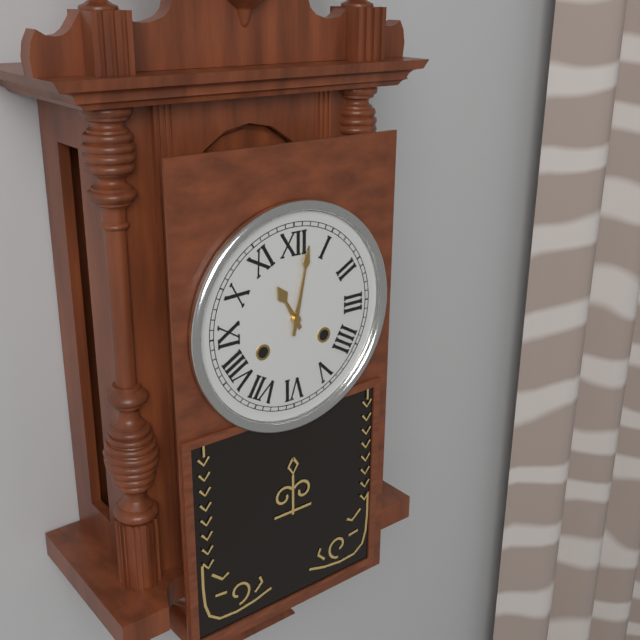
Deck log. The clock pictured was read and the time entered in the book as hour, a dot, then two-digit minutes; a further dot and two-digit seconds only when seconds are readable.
11.02
